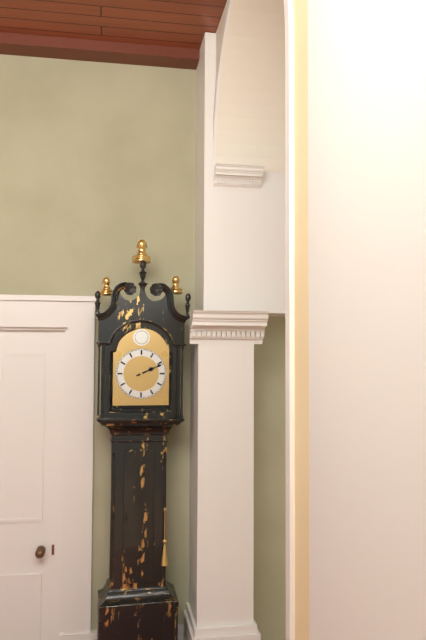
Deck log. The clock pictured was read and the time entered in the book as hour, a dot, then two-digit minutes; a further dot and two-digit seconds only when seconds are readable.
2.11
